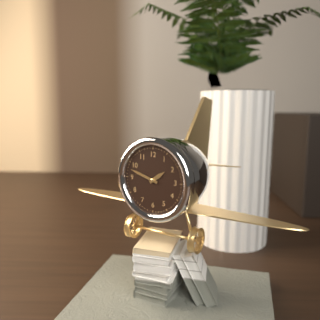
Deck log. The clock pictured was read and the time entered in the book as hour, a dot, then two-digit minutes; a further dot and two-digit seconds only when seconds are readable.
1.48
